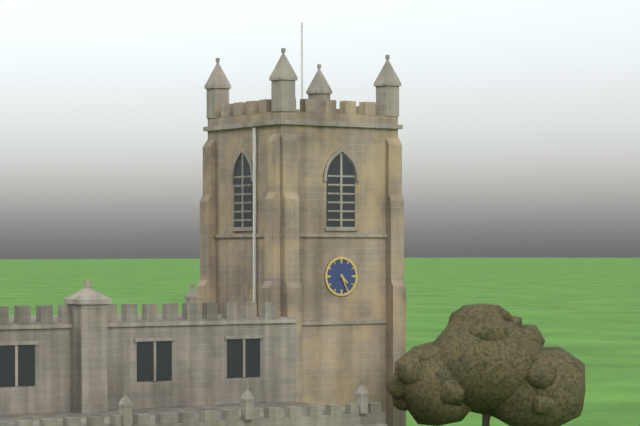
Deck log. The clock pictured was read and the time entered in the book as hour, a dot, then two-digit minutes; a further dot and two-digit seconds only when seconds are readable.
4.26
